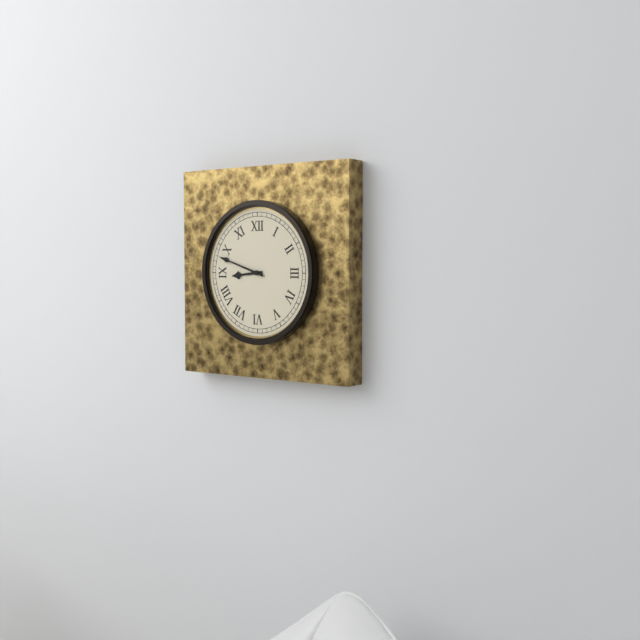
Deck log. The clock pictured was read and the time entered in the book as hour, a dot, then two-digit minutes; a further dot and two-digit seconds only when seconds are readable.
8.48
